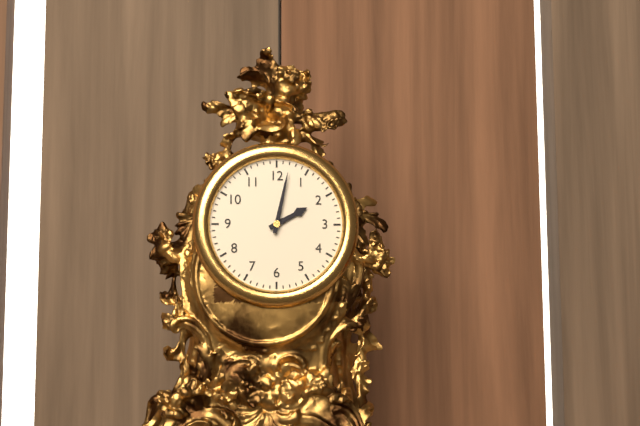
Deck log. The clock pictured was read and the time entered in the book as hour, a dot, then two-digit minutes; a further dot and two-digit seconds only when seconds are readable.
2.02
